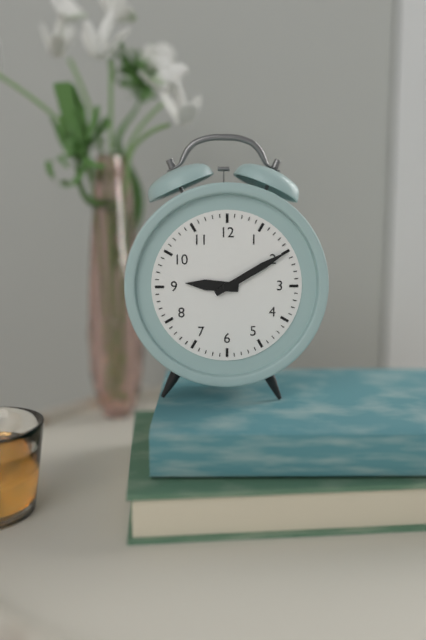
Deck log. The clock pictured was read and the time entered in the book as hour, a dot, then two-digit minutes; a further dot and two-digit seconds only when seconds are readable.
9.10
